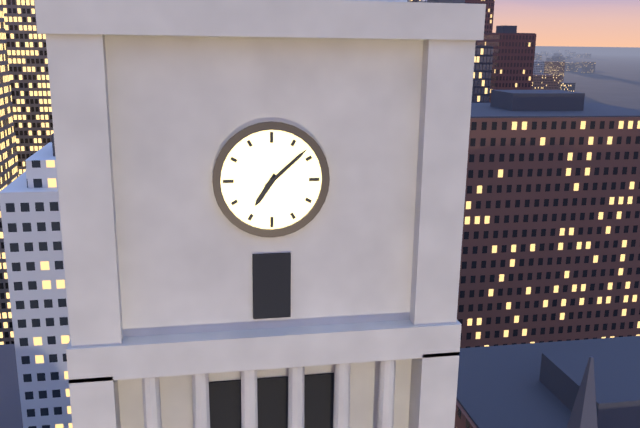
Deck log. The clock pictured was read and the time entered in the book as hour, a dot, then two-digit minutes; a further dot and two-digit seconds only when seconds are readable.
7.08
